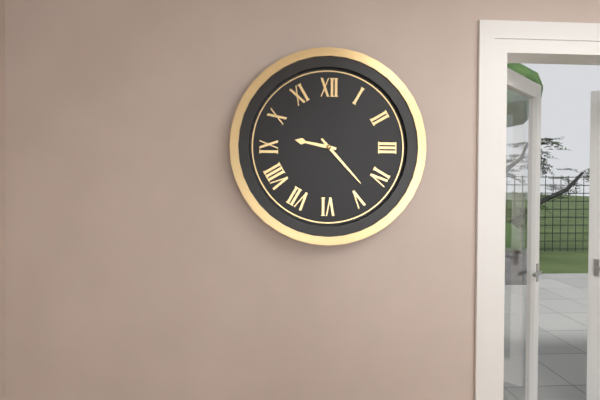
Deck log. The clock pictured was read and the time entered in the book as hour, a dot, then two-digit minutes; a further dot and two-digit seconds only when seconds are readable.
9.23
